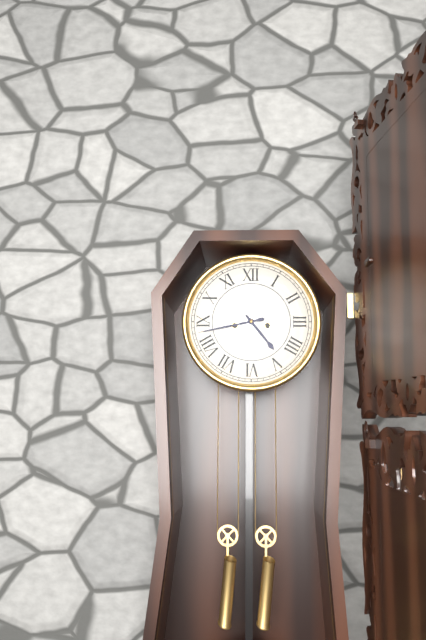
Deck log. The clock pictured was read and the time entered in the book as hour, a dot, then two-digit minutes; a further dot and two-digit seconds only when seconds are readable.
4.43
